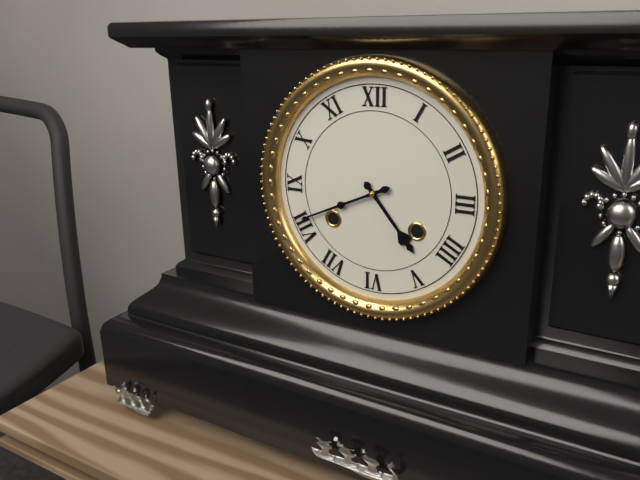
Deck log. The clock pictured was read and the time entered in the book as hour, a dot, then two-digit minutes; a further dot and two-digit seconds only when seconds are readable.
4.41
